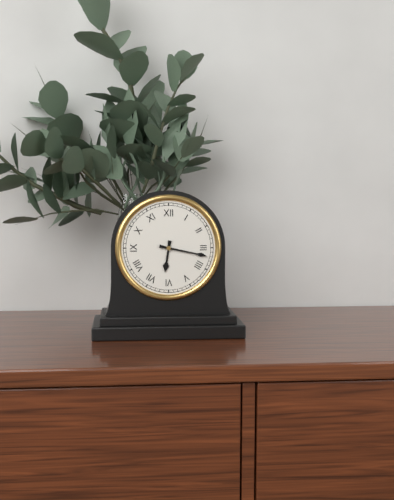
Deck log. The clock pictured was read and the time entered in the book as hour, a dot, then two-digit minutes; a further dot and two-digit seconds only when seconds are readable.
6.17
